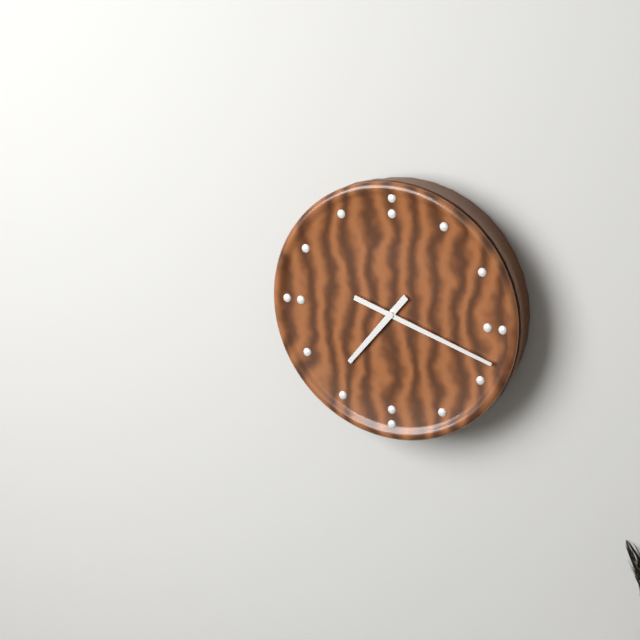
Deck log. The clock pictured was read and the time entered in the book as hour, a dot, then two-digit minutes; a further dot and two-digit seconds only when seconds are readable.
7.18
